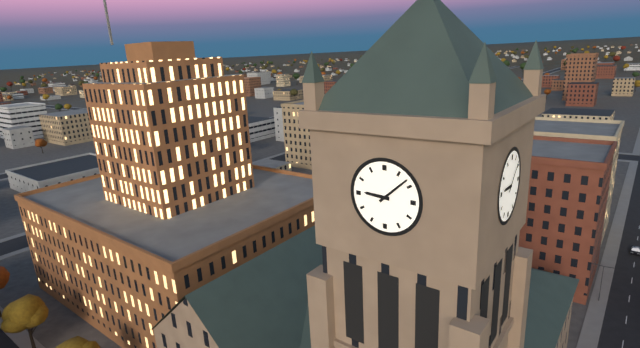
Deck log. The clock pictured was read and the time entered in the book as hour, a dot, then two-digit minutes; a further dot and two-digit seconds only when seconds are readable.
9.08
